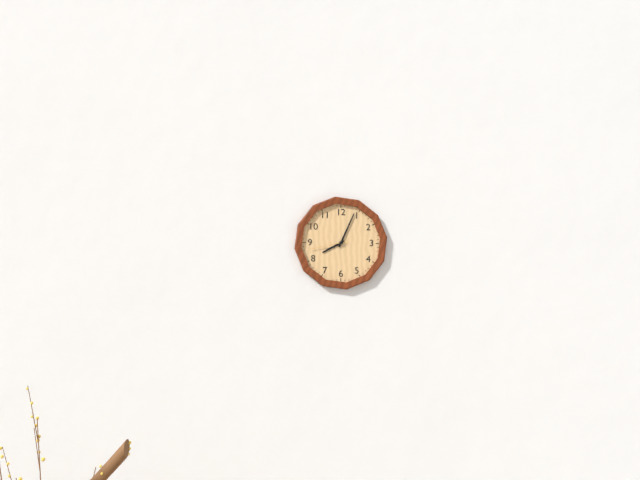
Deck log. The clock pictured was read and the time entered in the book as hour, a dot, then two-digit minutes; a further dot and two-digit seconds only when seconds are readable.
8.04
